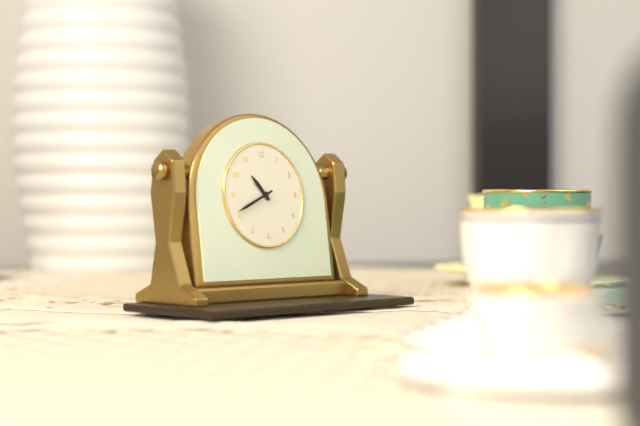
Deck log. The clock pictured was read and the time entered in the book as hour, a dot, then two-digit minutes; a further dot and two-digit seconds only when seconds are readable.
10.41
